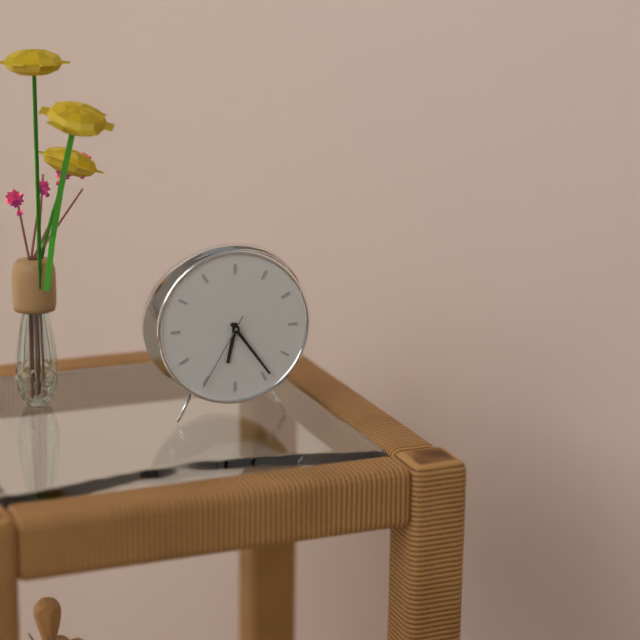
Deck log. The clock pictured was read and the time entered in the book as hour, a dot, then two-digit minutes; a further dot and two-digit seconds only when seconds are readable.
6.24.35
